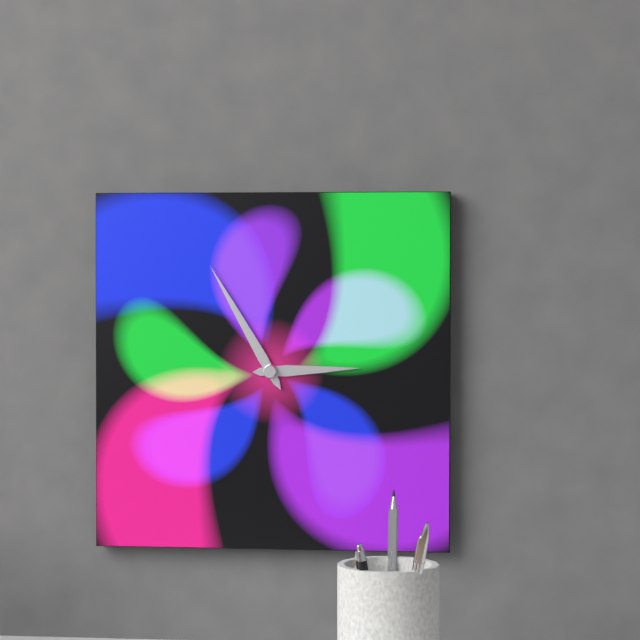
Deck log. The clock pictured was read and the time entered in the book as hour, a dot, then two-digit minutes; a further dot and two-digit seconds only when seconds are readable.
2.55
